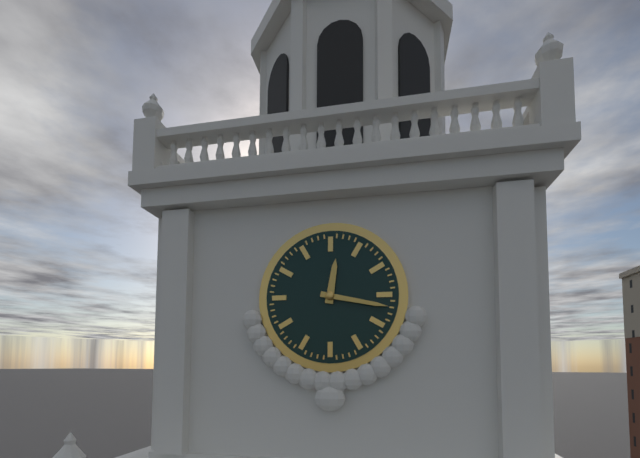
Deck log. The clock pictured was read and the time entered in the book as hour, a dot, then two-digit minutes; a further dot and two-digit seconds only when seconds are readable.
12.17
